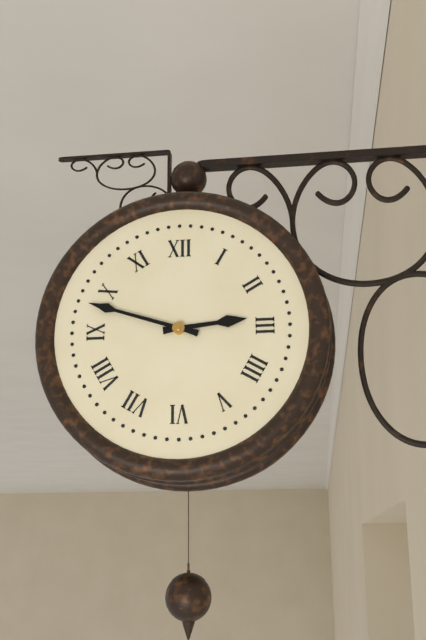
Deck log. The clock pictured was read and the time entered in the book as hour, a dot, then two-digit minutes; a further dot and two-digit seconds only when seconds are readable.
2.48
